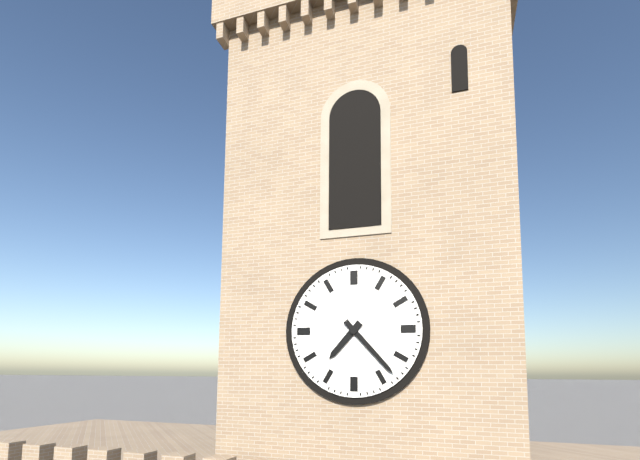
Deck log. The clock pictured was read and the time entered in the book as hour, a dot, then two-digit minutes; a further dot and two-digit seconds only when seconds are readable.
7.23
